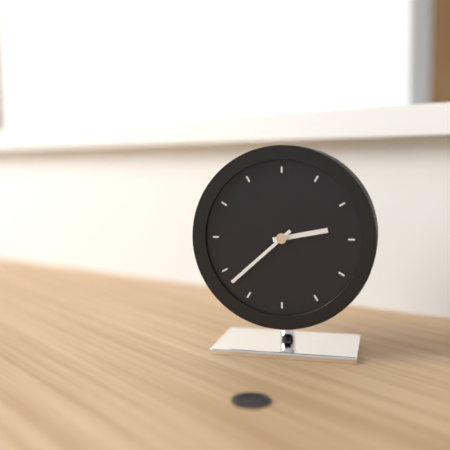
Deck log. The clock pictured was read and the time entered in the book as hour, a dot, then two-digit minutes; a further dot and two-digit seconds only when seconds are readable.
2.38
